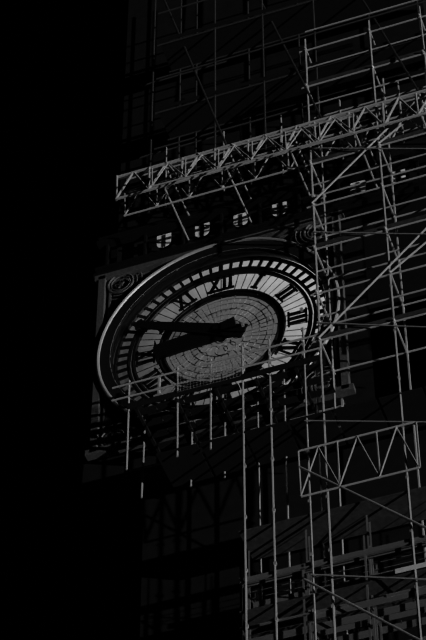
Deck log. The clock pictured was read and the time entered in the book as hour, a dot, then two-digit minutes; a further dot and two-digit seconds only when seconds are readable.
8.49
